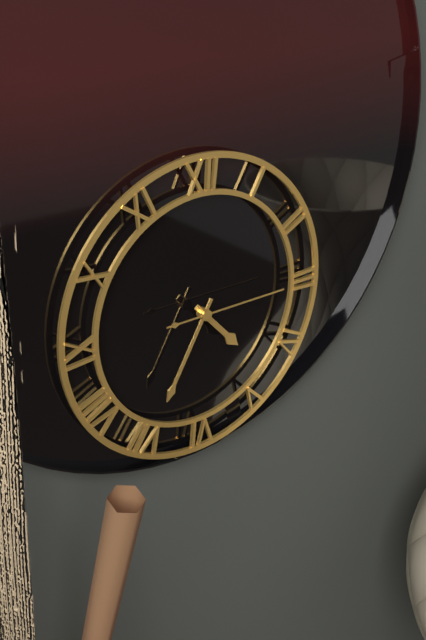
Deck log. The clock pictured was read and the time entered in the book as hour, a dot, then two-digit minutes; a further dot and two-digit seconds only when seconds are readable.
4.35.15
